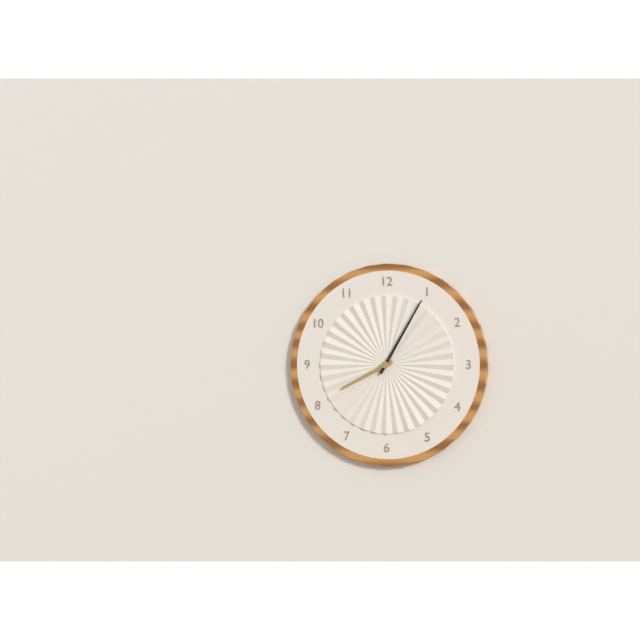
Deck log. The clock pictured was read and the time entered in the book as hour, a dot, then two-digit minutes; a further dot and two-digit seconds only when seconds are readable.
8.05
